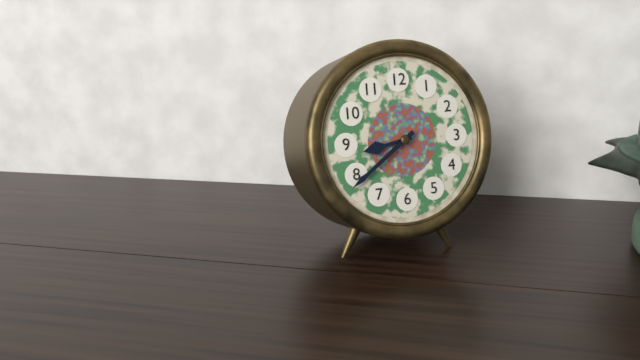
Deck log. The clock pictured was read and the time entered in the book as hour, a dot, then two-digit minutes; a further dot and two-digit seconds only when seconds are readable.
8.39
